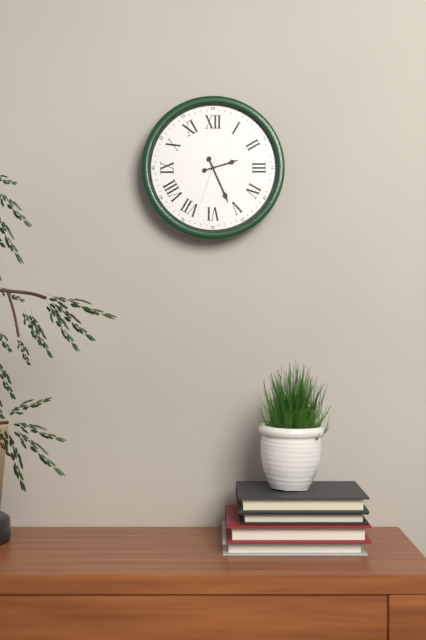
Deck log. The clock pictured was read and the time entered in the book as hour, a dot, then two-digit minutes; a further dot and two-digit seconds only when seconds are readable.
2.26.33
